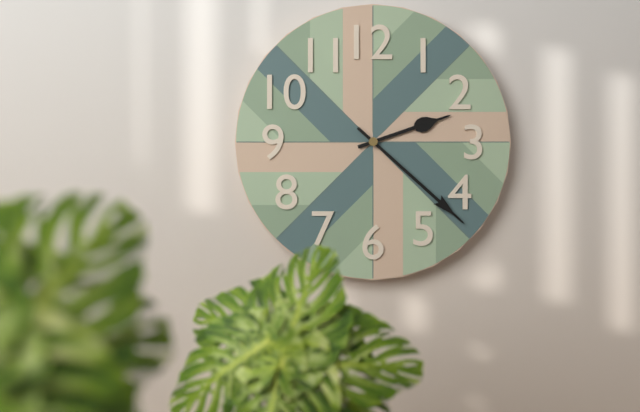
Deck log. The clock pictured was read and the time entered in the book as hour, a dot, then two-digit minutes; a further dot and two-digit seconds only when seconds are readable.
2.22
